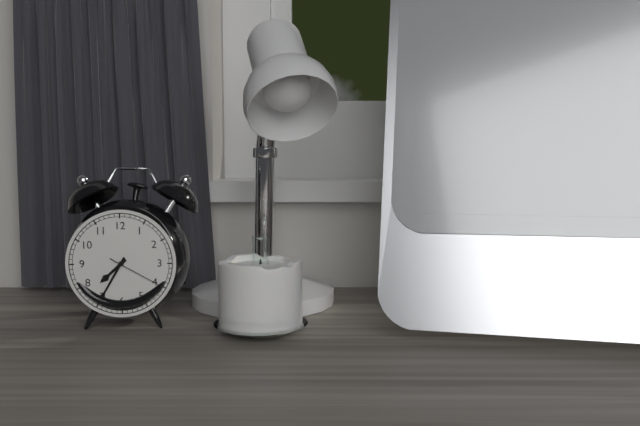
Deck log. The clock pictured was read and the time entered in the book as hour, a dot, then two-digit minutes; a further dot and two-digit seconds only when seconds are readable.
7.35.20
